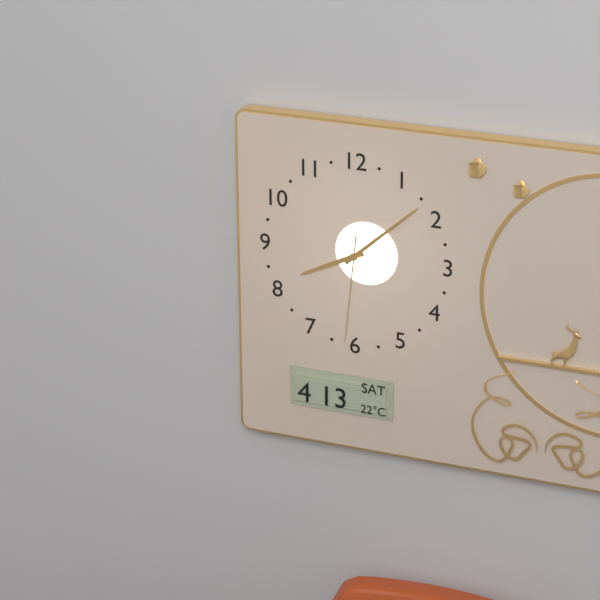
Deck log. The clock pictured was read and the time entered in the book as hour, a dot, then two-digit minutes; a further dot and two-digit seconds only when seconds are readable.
8.08.31
